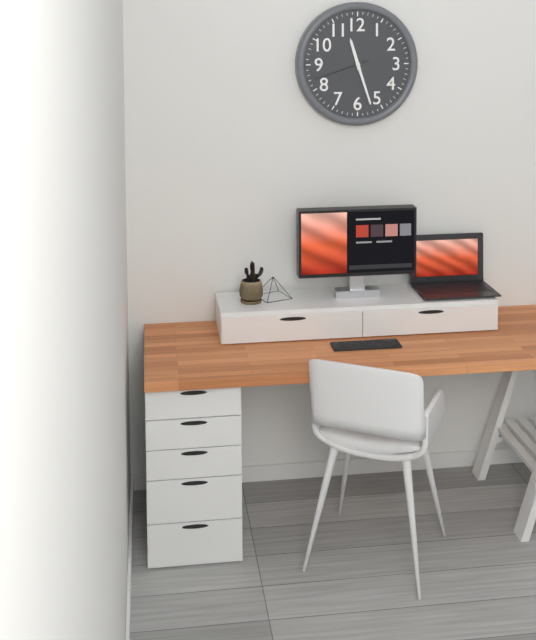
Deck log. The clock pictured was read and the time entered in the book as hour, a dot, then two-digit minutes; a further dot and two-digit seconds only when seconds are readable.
11.27.42
